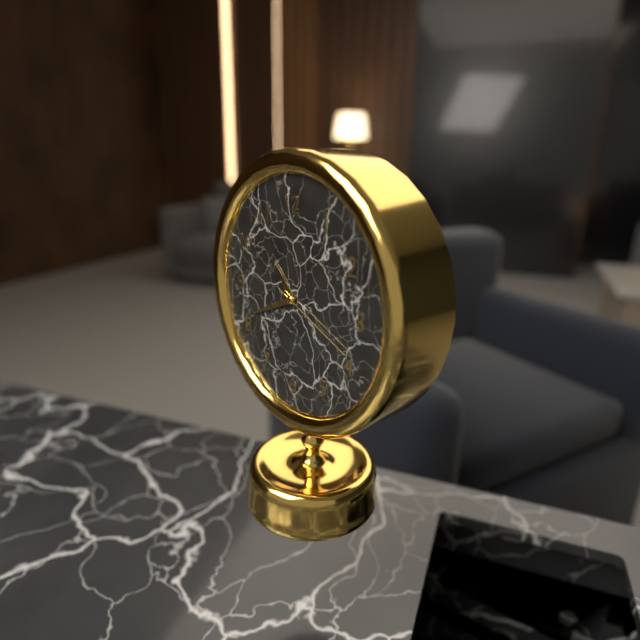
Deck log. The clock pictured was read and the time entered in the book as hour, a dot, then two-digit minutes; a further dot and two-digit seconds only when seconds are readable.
10.41.19
